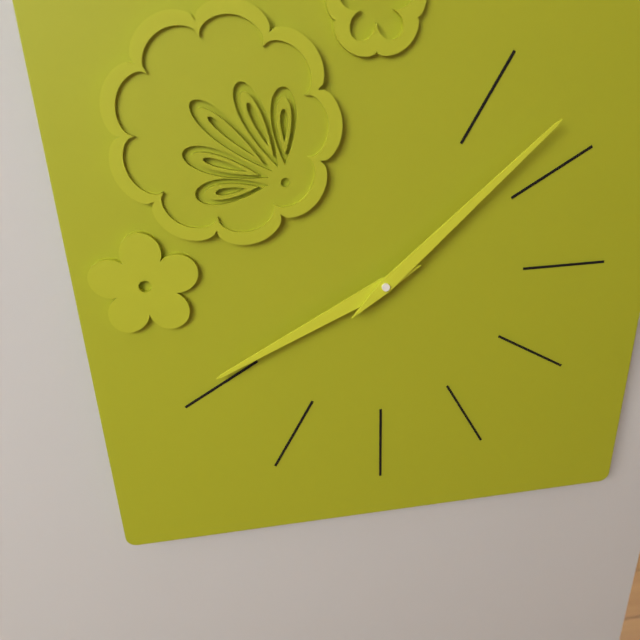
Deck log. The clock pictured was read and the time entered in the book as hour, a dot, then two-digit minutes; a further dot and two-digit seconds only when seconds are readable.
8.08
